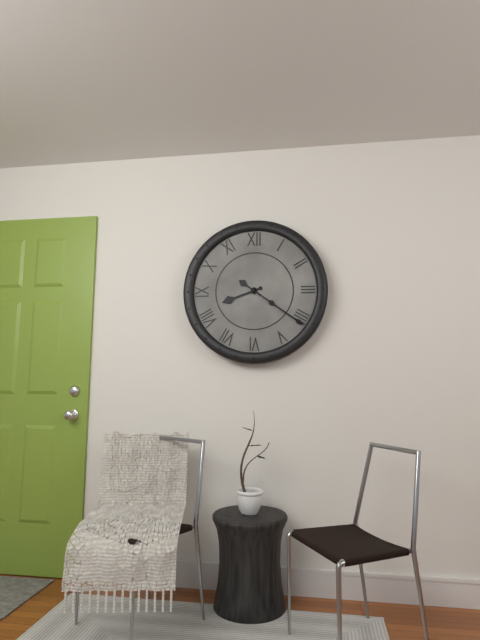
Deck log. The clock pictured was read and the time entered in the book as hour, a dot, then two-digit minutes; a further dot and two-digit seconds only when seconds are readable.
8.21
